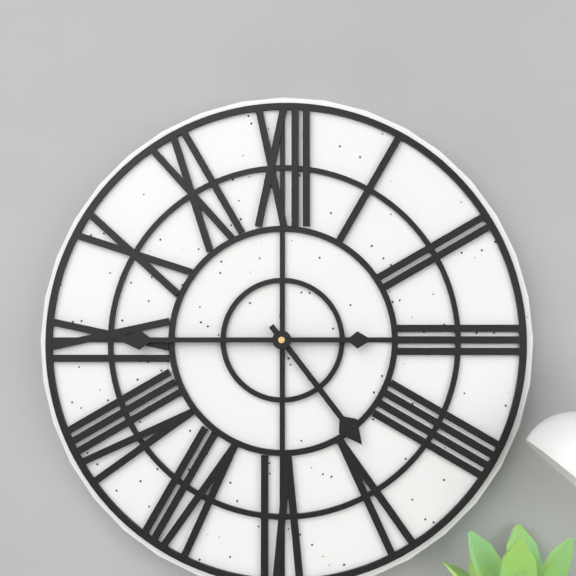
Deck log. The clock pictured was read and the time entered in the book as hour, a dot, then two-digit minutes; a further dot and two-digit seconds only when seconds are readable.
4.45
